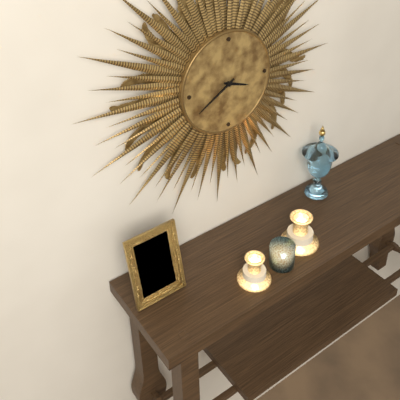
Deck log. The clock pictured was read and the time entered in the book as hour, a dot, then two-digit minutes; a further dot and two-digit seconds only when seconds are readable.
3.40
